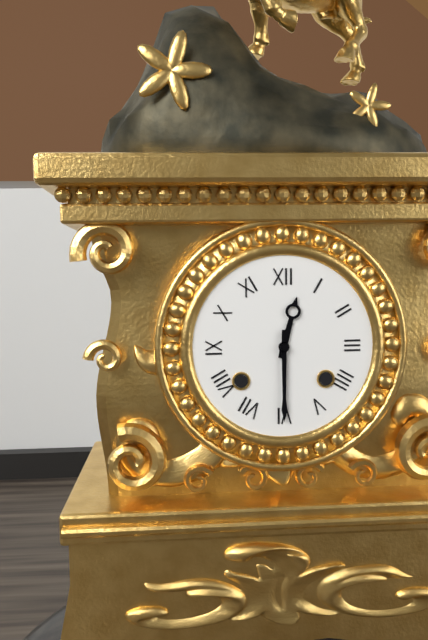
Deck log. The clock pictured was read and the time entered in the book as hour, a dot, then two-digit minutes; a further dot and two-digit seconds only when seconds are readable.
12.30
